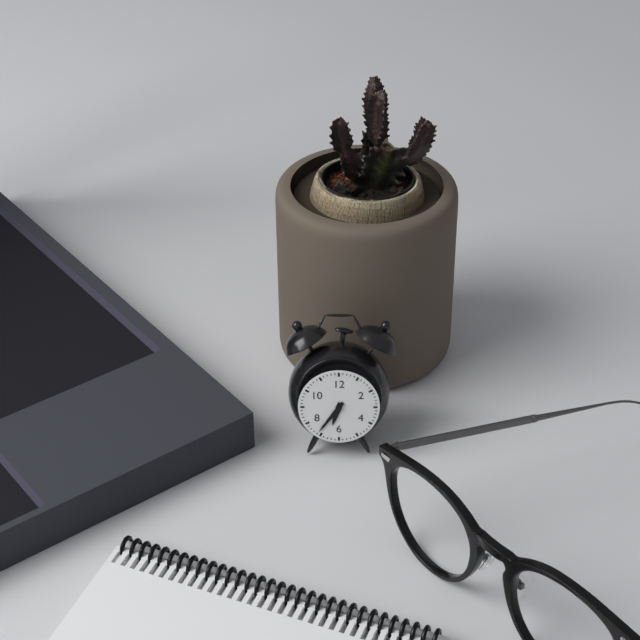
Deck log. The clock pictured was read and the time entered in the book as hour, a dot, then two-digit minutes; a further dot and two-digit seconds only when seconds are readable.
6.36
